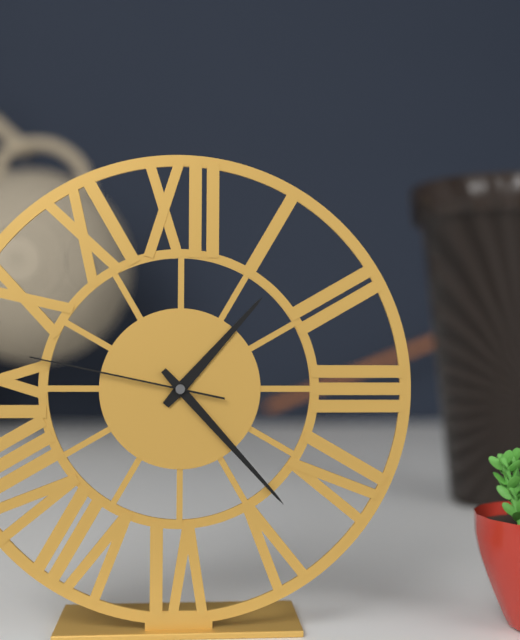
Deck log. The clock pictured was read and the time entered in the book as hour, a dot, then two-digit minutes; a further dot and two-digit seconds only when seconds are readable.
1.23.47
